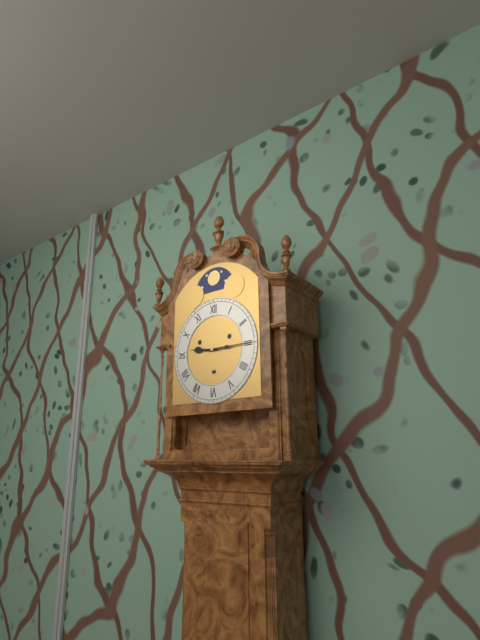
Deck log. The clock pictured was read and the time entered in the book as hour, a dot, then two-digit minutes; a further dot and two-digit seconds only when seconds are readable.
9.15
